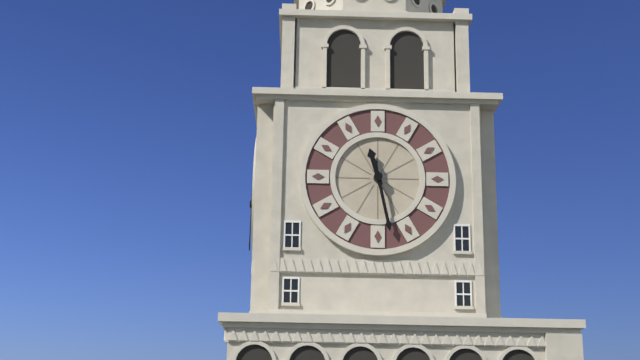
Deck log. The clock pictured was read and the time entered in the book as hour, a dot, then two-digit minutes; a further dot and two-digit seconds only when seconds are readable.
11.28
